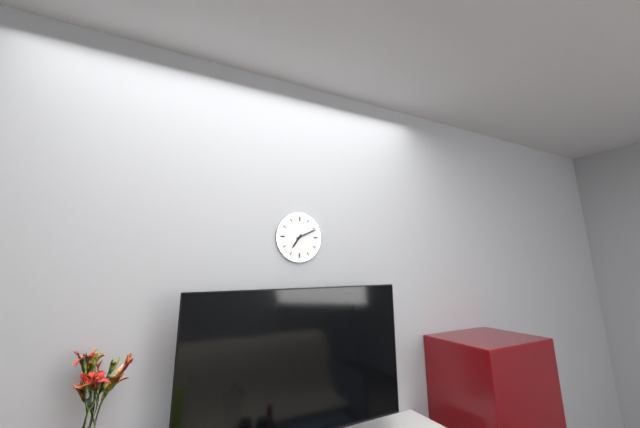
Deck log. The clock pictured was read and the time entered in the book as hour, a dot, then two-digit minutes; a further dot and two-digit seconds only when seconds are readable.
7.11
